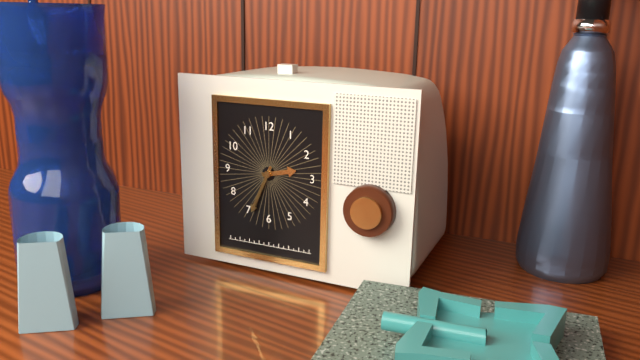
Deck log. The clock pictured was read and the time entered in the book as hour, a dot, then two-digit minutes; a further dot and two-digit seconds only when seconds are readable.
2.34
